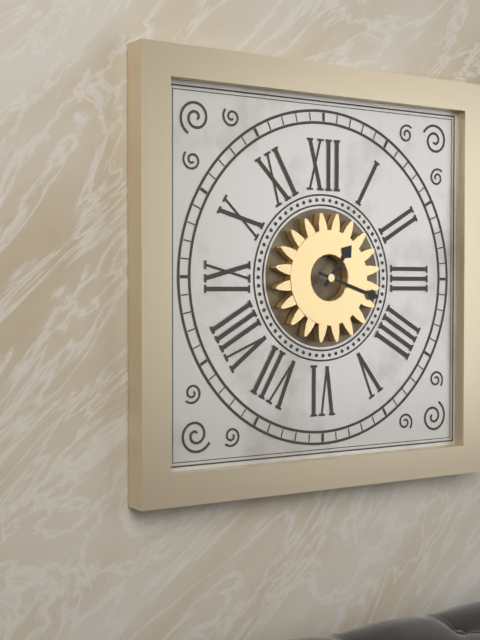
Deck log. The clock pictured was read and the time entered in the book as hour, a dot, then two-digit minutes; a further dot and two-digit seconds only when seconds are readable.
1.18
